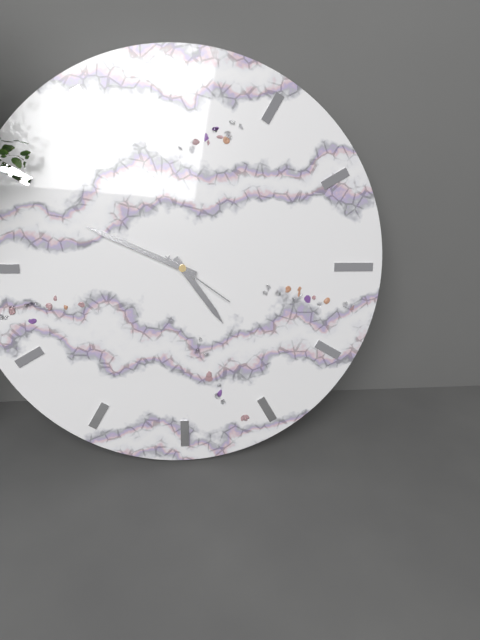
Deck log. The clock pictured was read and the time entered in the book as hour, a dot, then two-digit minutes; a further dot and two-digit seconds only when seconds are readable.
4.49.21
